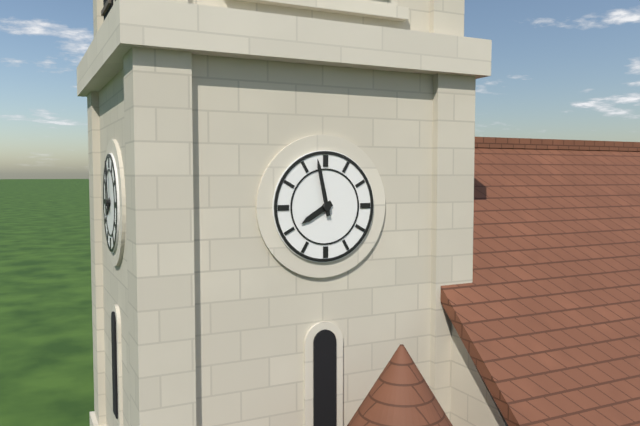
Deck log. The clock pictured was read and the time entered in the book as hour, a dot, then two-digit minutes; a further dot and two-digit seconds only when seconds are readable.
7.58
